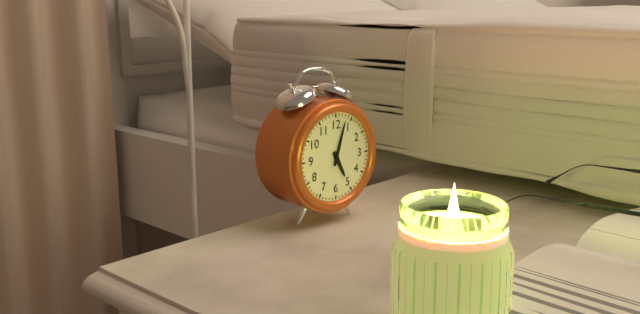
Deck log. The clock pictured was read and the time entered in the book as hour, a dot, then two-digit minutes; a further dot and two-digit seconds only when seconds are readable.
5.03
